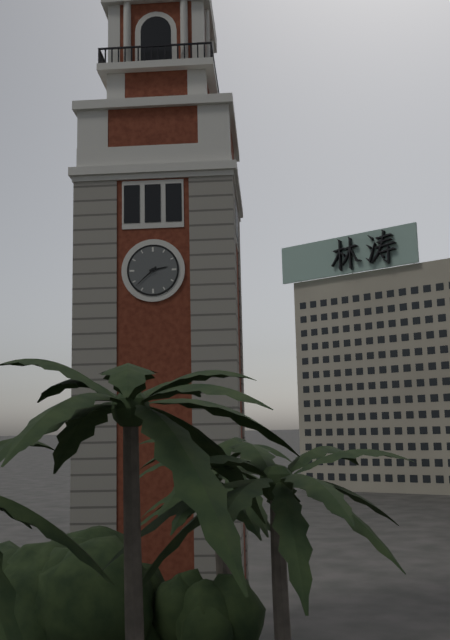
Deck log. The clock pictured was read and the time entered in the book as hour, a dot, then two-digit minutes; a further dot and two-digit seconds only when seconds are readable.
2.38
